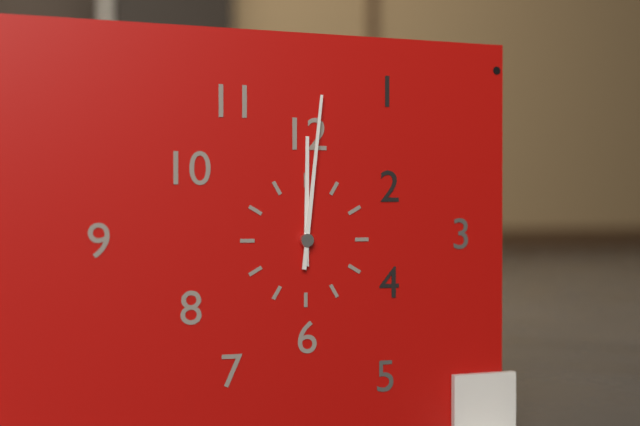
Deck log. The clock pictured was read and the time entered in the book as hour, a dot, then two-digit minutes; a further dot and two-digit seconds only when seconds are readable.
12.01
